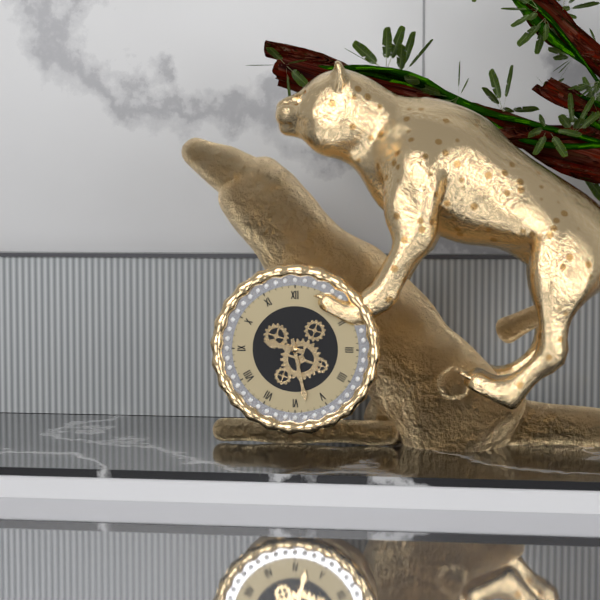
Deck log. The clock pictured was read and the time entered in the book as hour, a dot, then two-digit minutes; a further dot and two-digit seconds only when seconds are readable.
9.28
